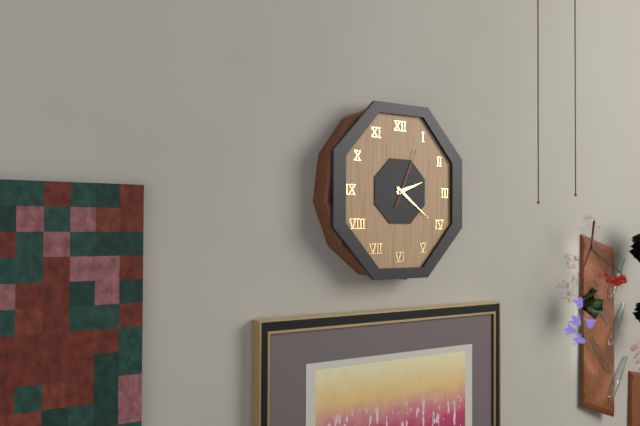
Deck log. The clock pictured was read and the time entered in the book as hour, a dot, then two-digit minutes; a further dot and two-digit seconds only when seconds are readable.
2.21.04
